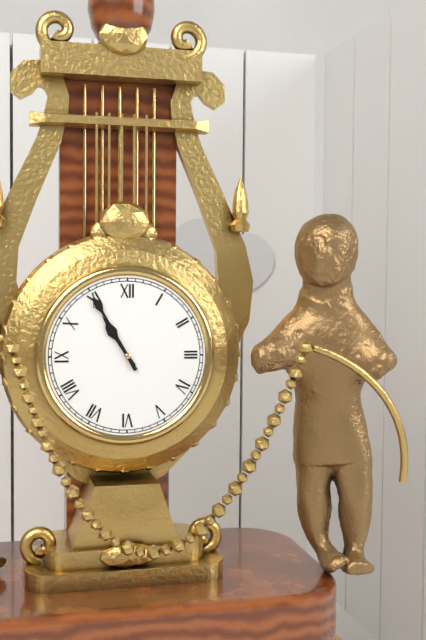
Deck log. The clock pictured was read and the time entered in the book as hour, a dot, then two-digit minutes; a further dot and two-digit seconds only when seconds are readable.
10.55
